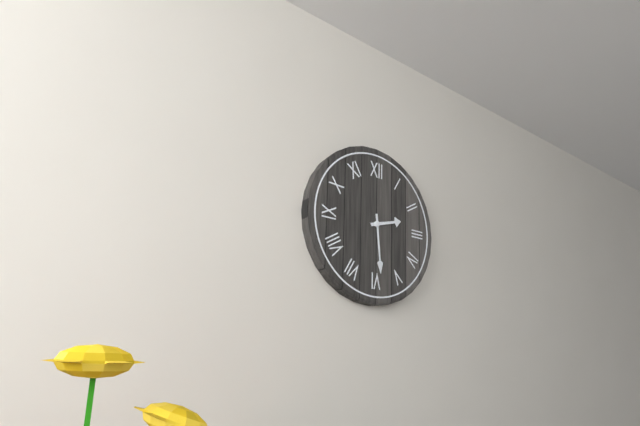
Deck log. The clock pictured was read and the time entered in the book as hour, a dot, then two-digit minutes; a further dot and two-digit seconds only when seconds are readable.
2.29
